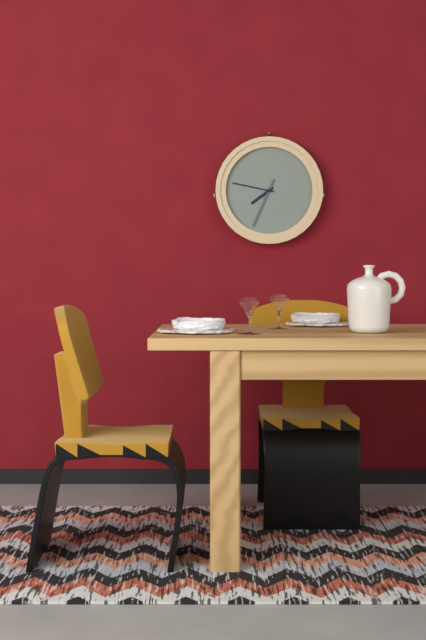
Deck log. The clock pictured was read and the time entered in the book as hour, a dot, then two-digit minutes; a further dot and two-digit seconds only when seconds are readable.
7.47
